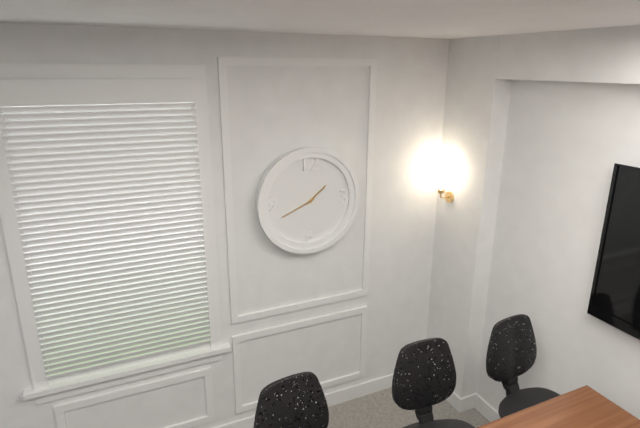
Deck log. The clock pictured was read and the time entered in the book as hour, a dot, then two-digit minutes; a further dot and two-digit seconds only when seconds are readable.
1.41
